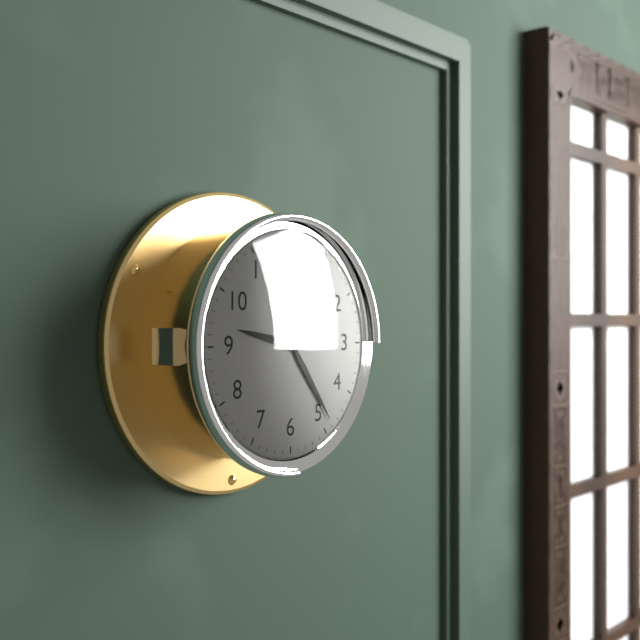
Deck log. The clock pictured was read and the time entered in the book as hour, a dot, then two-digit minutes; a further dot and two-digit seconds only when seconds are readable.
9.24
